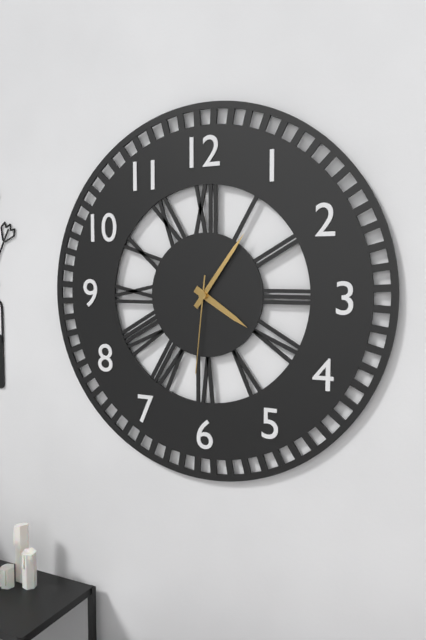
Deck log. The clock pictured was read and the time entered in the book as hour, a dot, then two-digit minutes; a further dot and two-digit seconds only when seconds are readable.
4.06.31
